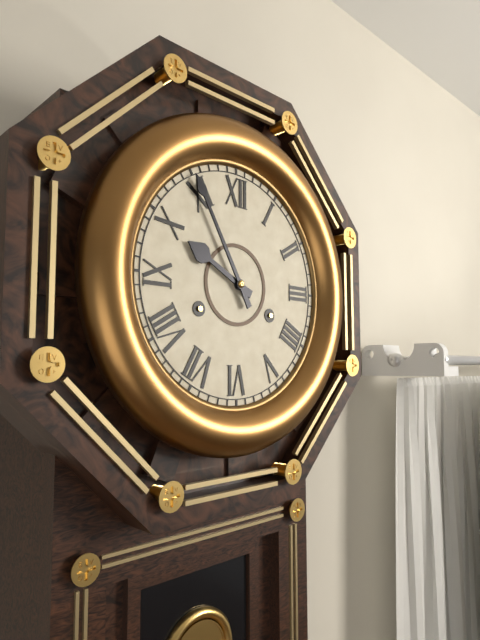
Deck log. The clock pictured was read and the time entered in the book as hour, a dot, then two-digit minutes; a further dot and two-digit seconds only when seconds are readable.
9.55
